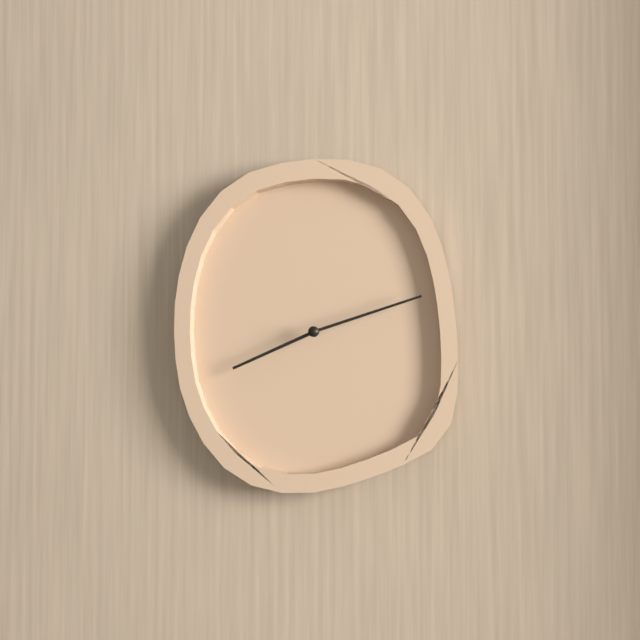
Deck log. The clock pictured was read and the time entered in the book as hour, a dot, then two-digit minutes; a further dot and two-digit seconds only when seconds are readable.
8.12
